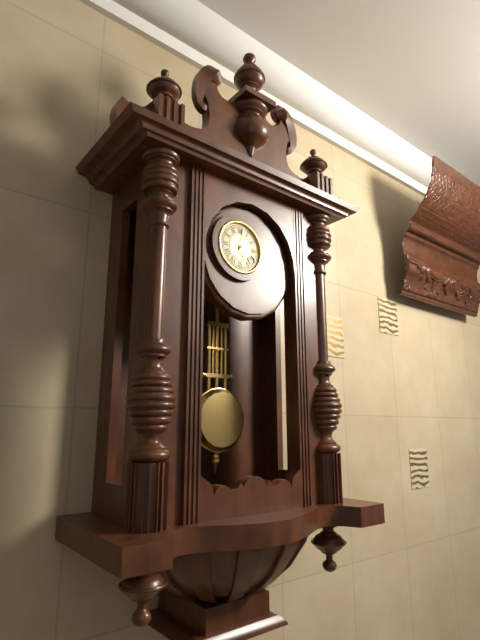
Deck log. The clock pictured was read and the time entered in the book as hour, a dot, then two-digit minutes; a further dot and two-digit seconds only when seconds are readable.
5.02
